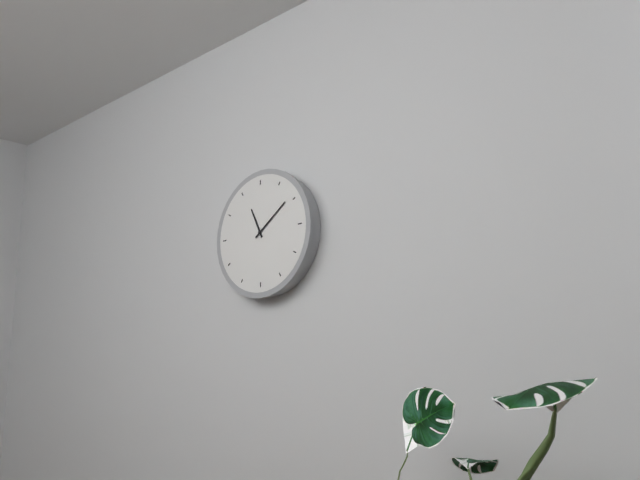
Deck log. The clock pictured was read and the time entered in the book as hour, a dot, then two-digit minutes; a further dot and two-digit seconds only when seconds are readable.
11.09
